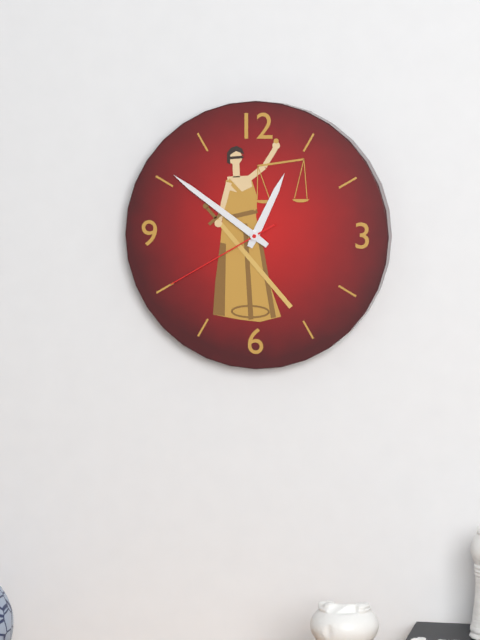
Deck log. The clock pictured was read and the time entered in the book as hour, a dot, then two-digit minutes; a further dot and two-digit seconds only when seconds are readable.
12.51.40
